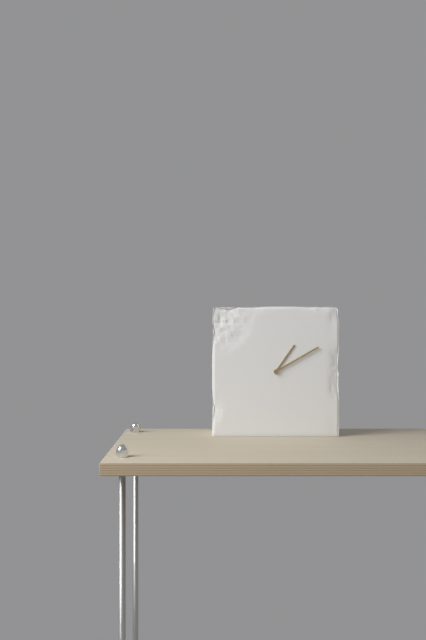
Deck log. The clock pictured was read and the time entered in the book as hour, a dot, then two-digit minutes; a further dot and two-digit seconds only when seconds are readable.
1.10
